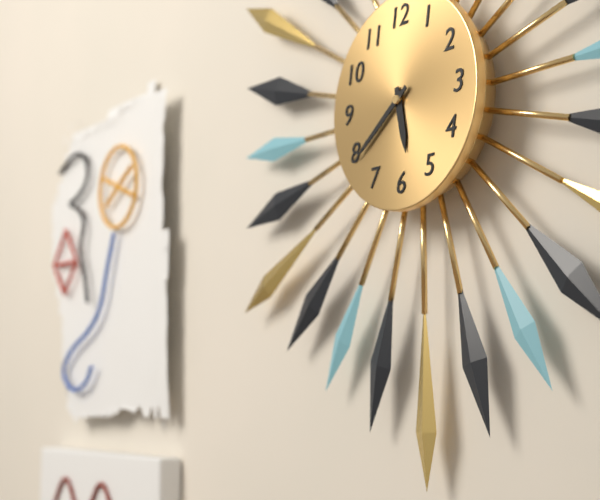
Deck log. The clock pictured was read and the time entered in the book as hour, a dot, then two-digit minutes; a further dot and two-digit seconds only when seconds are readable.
5.39
